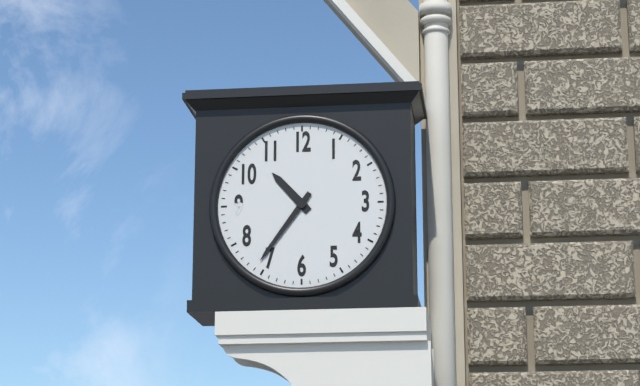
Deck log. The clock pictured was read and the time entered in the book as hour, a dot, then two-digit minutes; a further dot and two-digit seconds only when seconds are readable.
10.36
